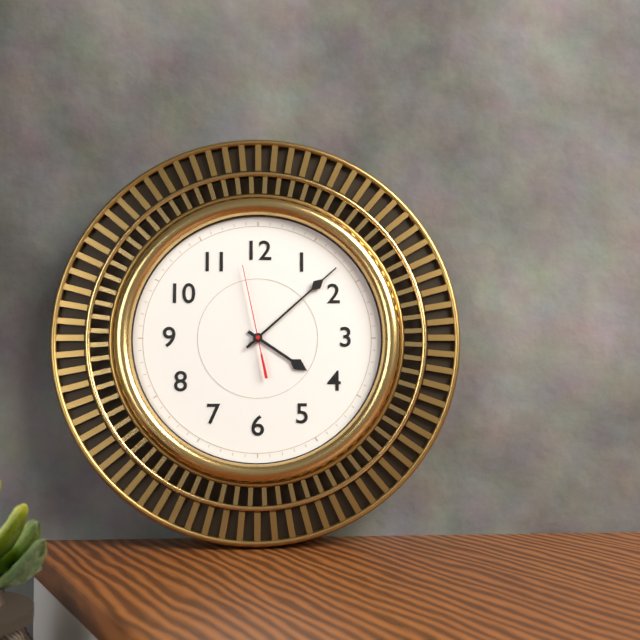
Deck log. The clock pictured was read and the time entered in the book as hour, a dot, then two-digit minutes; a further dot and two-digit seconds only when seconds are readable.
4.08.58
